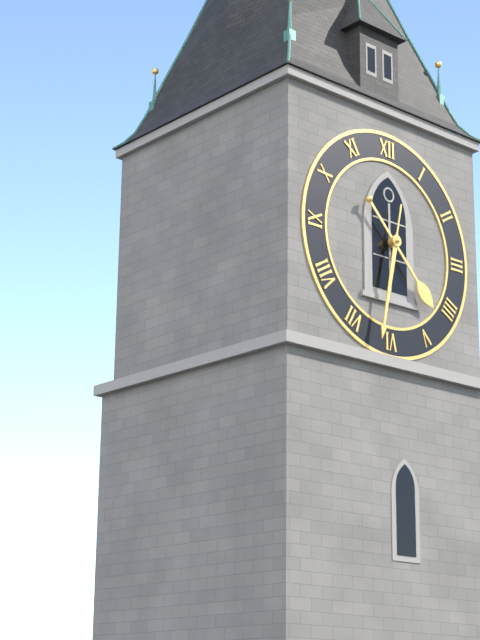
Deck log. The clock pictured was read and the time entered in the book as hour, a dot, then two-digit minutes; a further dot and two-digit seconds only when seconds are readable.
4.32
